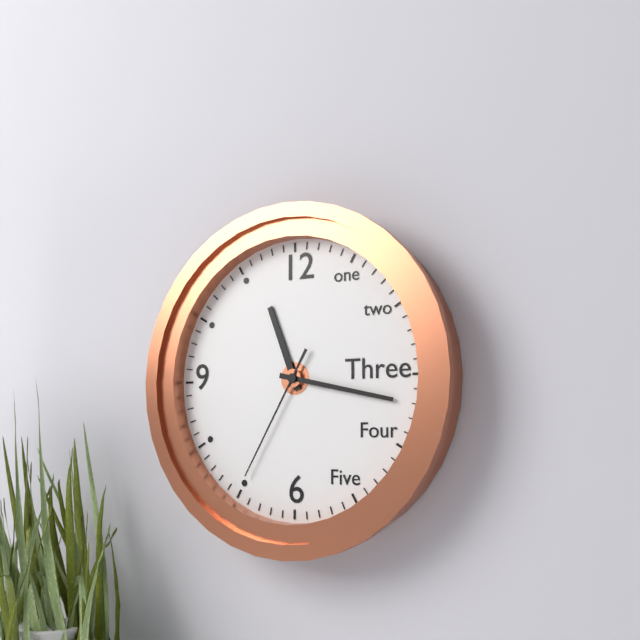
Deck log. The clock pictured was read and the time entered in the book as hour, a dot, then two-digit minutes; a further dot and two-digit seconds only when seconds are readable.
11.17.35
